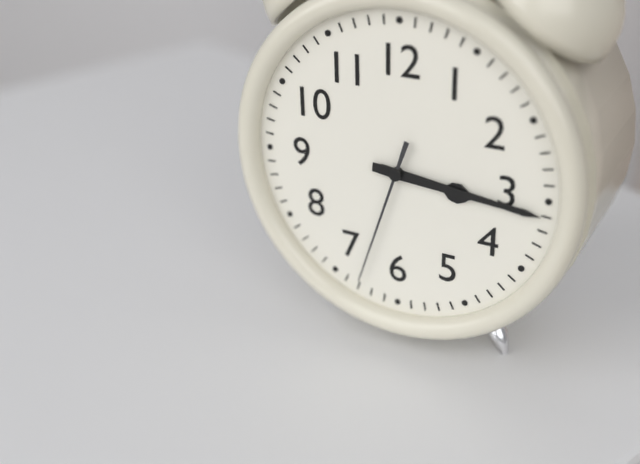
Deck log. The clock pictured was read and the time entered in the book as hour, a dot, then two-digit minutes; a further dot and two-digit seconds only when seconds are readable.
3.16.33
